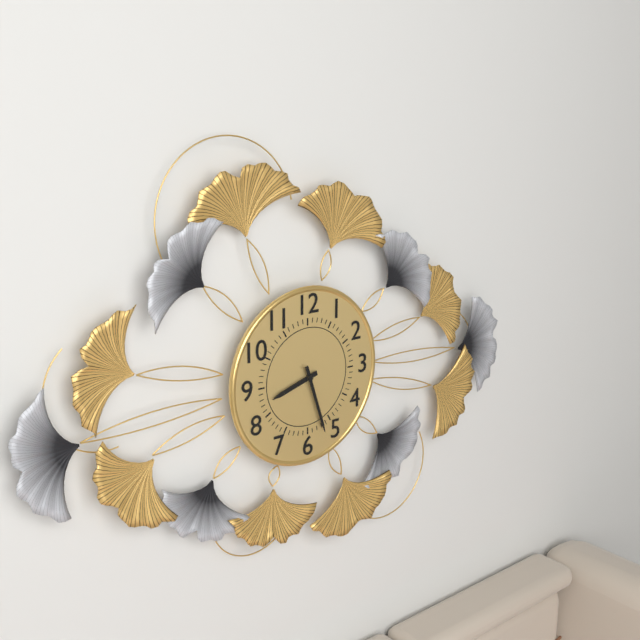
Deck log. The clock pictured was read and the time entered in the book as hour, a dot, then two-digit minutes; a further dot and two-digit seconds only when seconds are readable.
8.27
